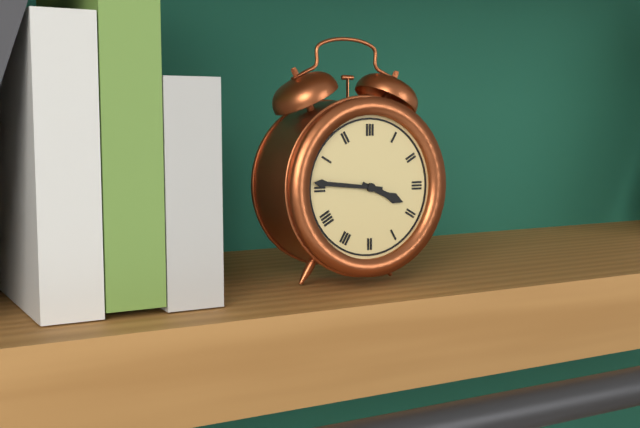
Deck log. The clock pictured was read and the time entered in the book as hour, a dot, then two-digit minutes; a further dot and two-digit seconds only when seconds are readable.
3.46
